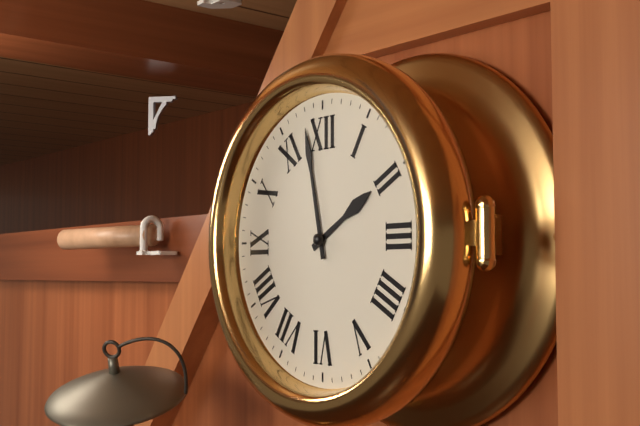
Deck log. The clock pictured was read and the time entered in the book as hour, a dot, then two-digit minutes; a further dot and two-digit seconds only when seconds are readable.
1.58
